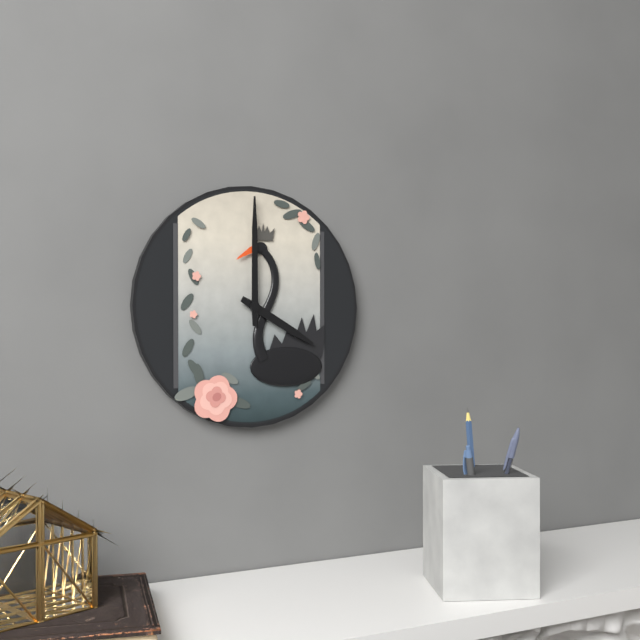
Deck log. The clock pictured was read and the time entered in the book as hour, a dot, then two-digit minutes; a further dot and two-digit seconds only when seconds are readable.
4.00
